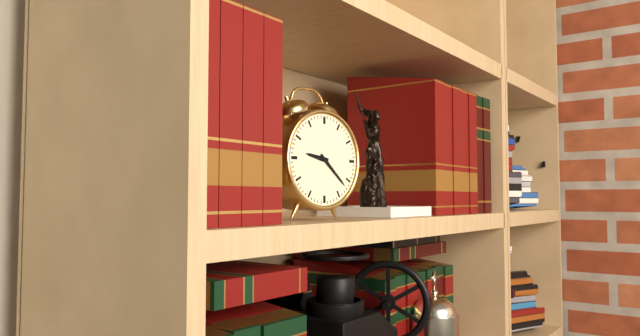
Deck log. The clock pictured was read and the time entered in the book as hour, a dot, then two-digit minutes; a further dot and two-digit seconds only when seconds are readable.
9.22
